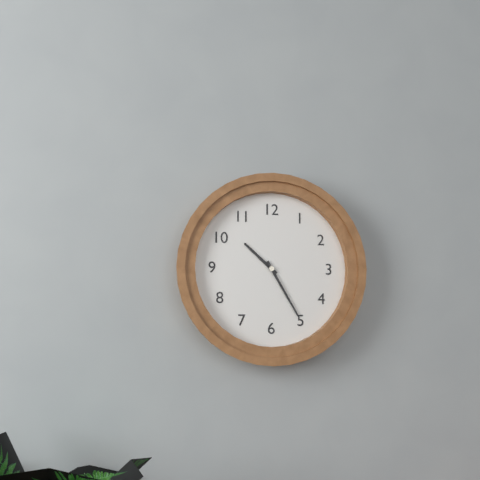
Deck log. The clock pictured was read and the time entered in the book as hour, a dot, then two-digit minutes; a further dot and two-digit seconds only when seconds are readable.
10.25
